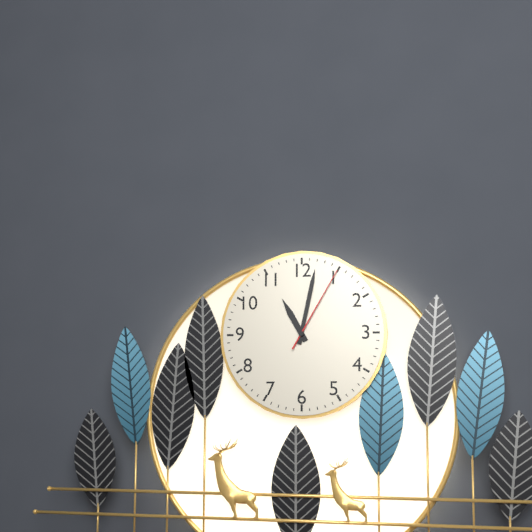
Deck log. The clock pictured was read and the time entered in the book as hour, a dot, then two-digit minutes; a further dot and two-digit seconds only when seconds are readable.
11.02.05
